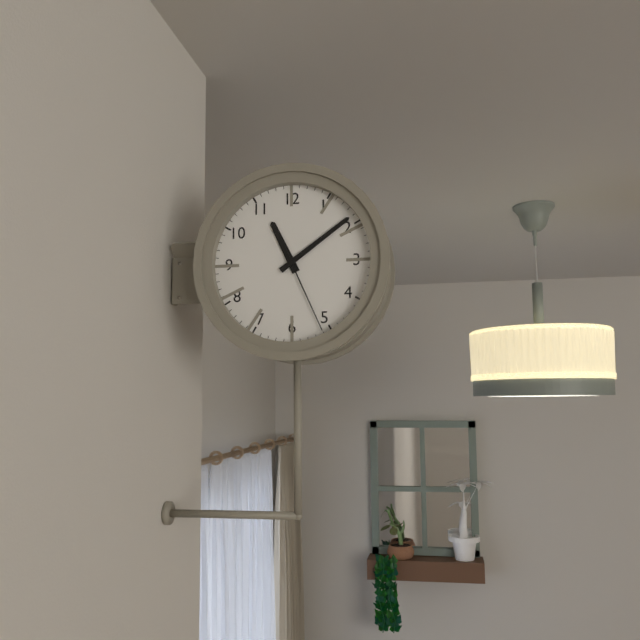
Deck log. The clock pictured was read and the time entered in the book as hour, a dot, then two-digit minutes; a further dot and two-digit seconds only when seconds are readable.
11.09.26
